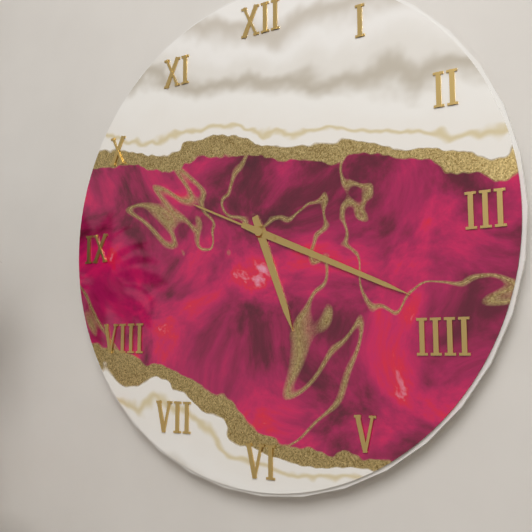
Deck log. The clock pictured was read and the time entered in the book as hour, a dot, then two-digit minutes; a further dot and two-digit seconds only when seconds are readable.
5.19.49
